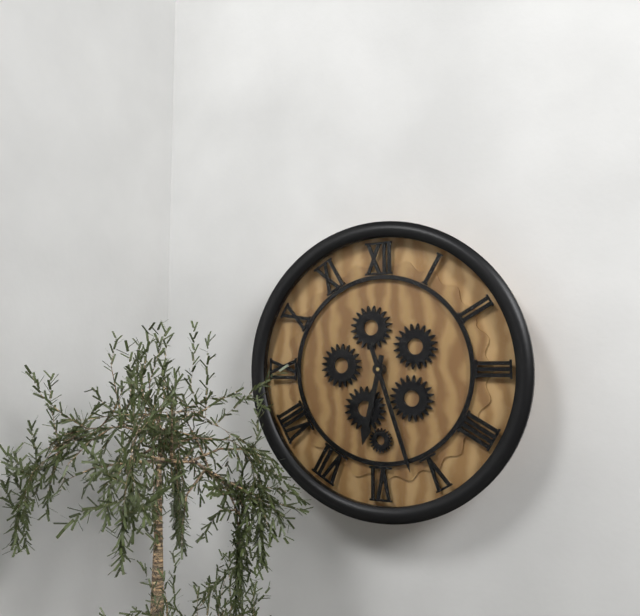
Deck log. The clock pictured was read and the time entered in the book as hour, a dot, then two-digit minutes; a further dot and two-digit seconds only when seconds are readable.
6.27
